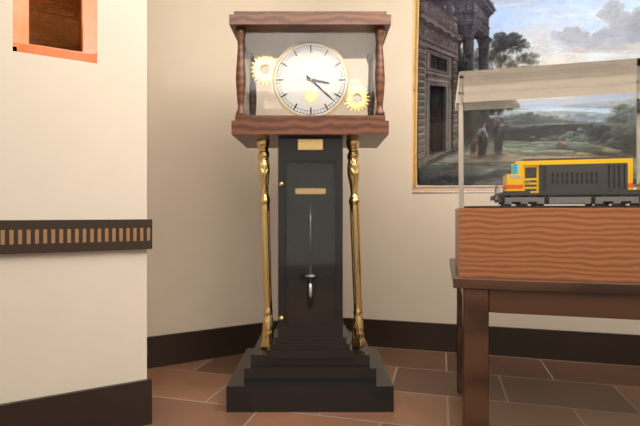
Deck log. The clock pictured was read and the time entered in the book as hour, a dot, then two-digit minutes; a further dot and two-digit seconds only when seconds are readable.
3.22
